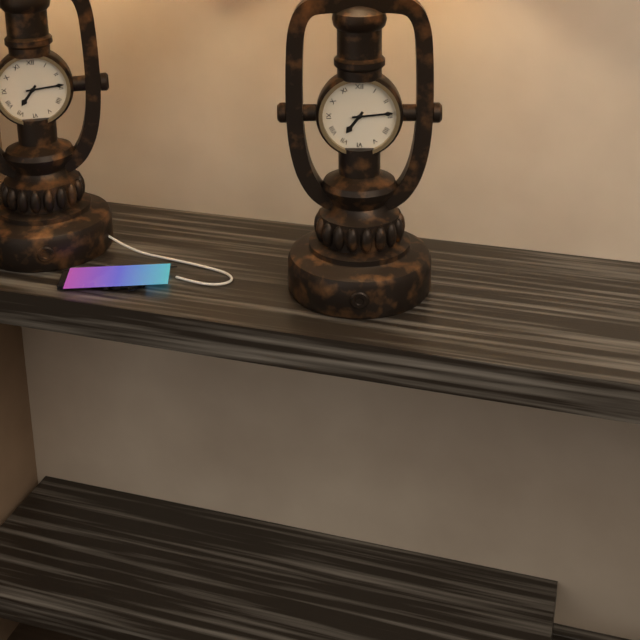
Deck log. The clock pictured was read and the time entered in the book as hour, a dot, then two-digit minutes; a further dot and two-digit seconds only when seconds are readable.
7.14
